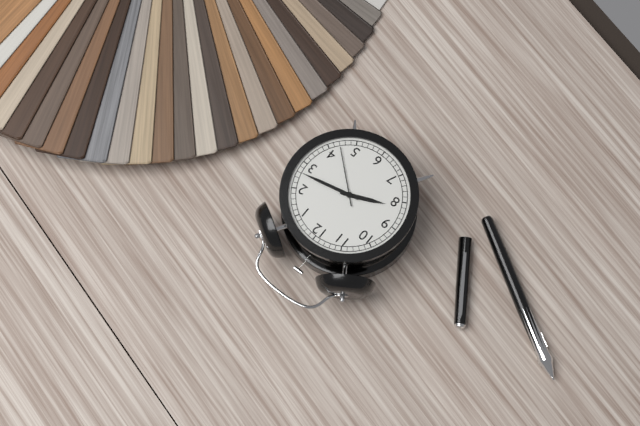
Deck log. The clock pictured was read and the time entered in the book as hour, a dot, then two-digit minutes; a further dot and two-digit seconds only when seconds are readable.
8.13.22
